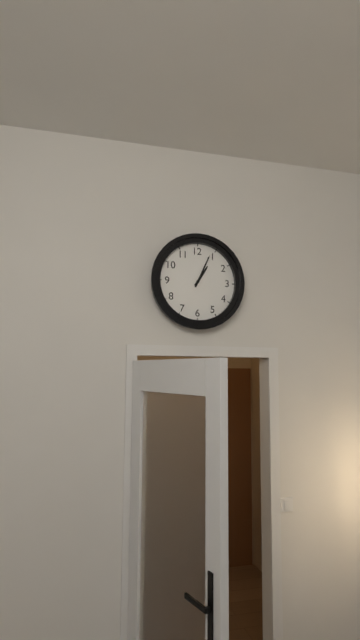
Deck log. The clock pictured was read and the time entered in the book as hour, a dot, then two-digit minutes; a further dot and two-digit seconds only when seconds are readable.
1.04
